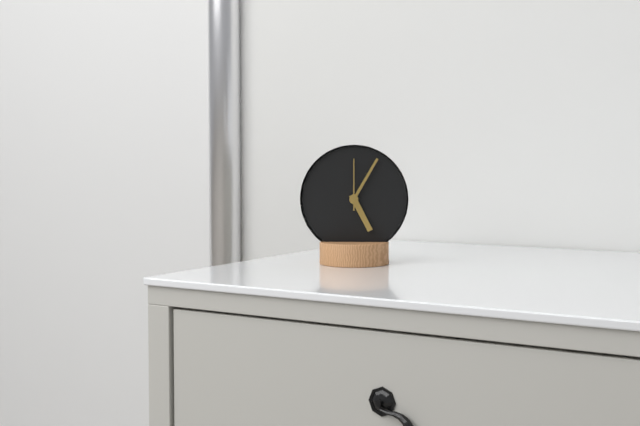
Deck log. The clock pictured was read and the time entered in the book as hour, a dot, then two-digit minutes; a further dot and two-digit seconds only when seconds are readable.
5.05.00
